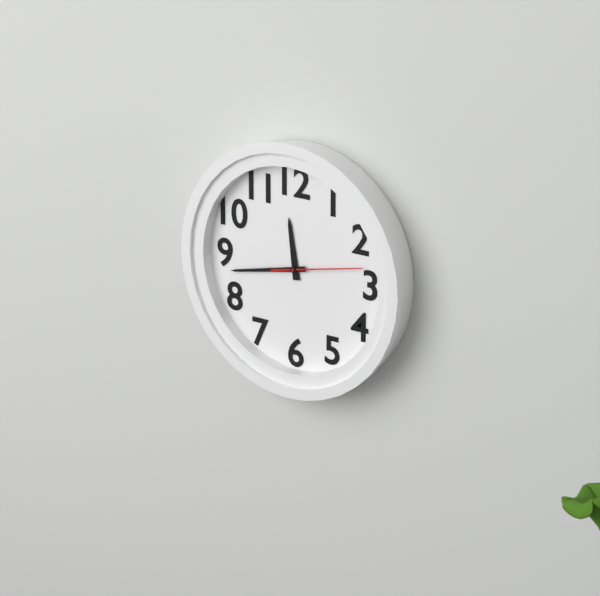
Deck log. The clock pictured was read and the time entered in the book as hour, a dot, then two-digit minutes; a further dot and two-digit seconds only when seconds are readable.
11.43.13
